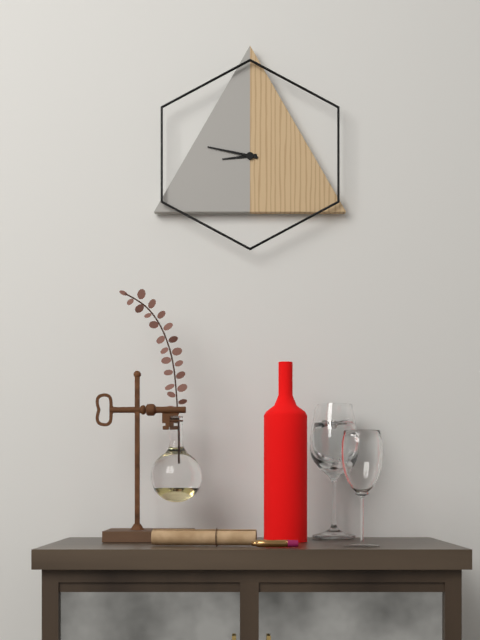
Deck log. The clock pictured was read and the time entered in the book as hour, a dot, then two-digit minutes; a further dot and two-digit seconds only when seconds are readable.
8.47
